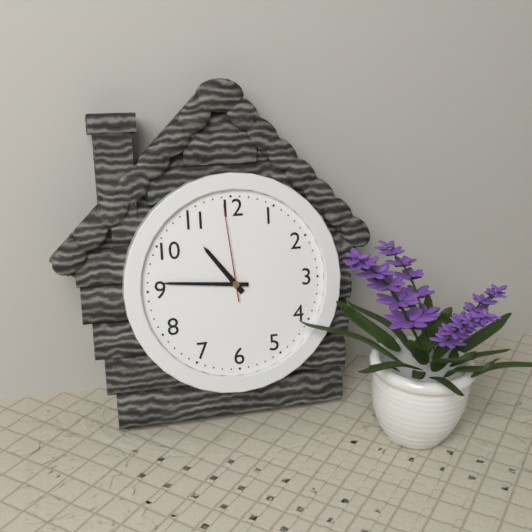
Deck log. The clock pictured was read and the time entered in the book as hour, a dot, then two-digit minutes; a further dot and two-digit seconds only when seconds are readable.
10.46.59
